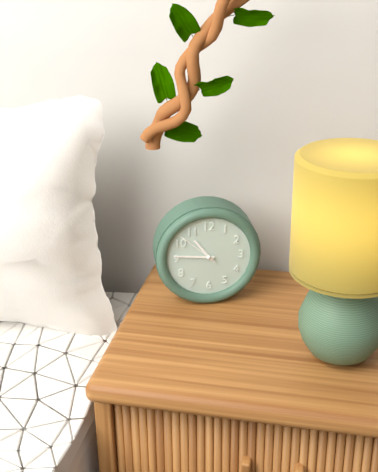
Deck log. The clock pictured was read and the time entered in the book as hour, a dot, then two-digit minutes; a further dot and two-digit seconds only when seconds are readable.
10.46
